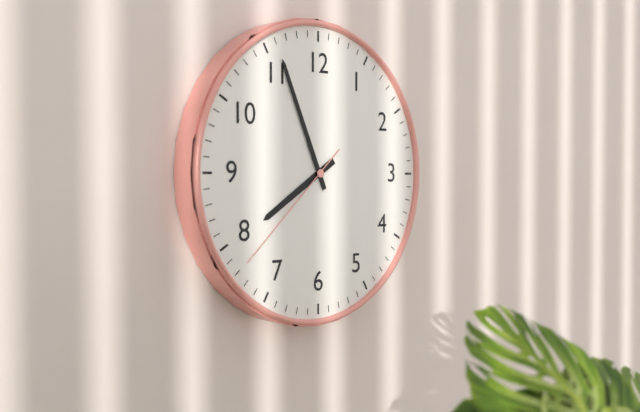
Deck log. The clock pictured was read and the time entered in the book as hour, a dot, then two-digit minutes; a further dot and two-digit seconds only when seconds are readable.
7.56.38
